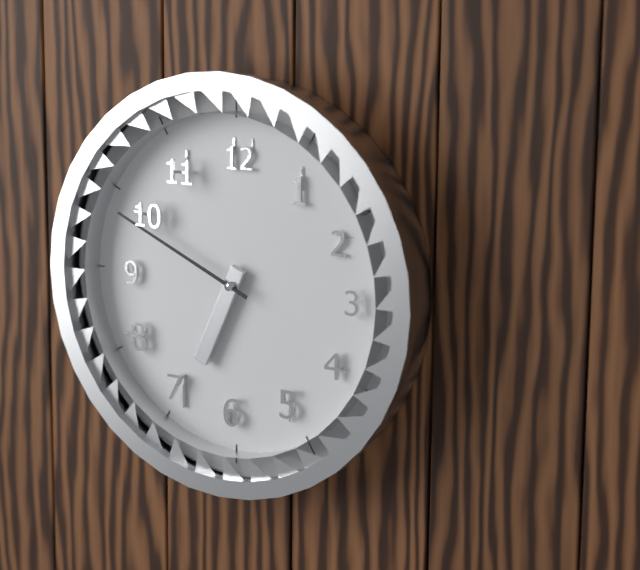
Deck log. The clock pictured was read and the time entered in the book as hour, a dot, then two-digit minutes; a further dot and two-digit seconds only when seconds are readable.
6.49
